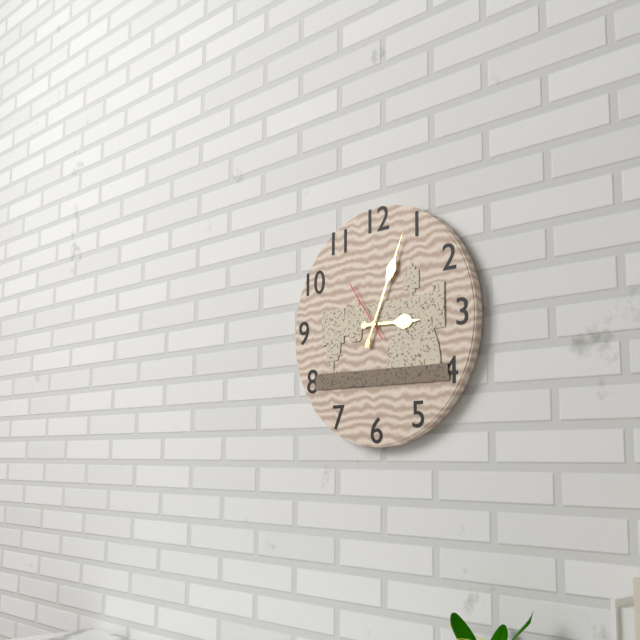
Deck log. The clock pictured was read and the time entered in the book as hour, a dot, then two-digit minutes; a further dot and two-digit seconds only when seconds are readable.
3.04.54
